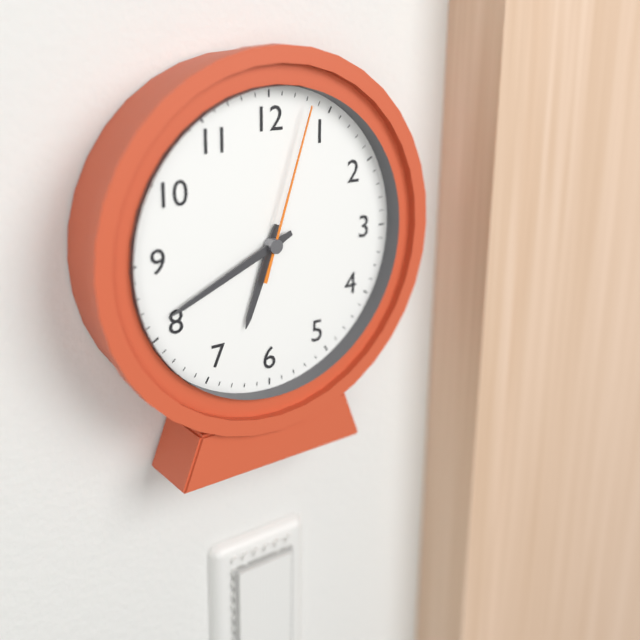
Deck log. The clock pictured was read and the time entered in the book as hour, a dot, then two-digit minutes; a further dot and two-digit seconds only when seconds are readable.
6.41.03
